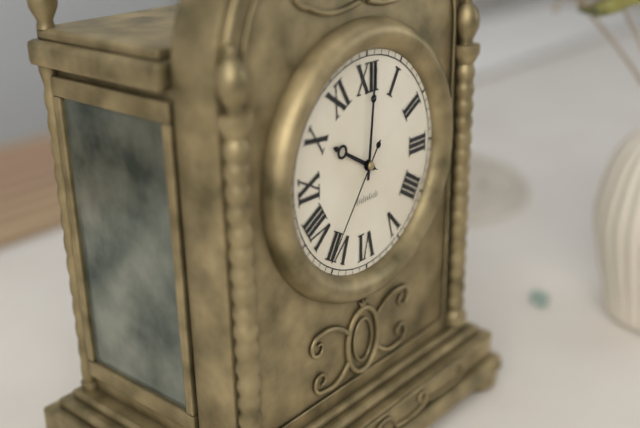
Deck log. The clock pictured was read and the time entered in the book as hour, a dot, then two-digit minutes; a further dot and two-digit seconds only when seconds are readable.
10.01.36
